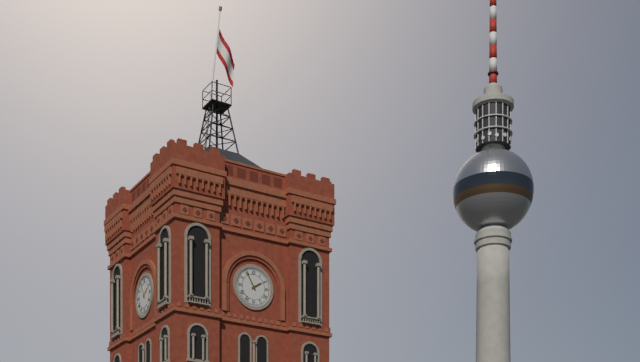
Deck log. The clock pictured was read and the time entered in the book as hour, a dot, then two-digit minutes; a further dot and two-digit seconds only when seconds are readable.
1.55
